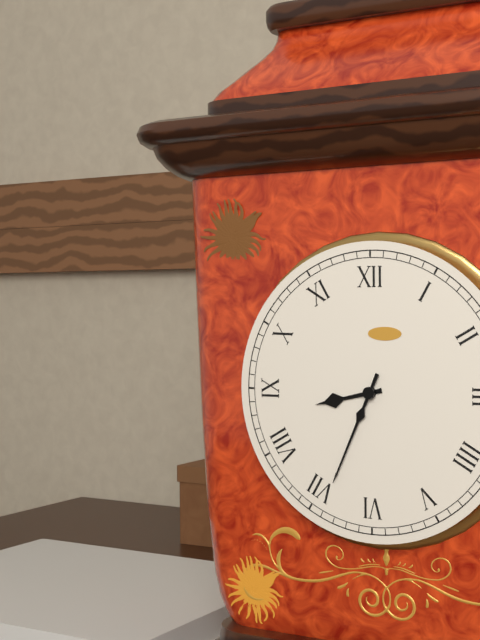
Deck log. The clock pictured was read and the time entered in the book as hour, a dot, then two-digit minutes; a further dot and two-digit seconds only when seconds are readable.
8.34
